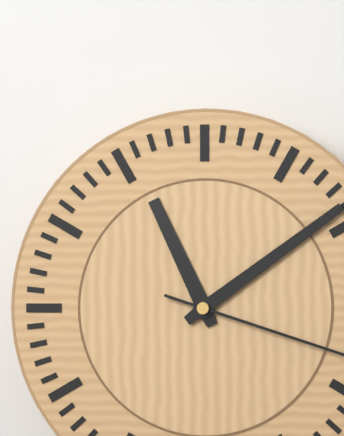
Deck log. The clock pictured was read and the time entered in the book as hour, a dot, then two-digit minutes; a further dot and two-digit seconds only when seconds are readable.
11.09
